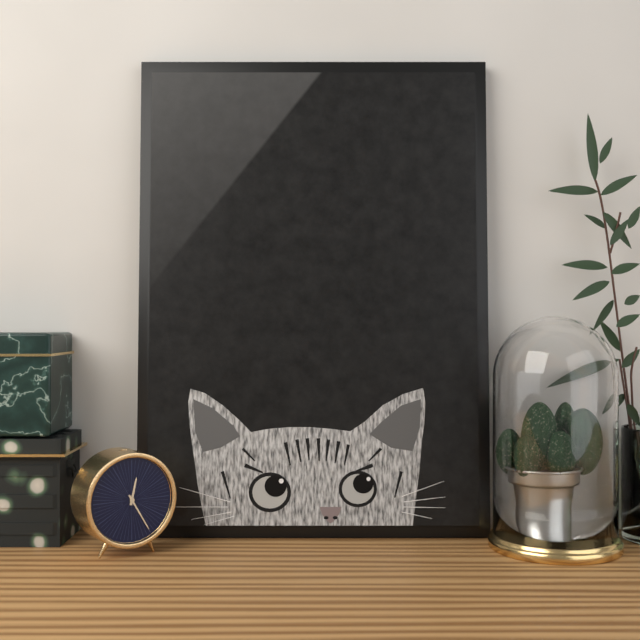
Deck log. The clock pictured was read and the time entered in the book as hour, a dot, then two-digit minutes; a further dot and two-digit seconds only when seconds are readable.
12.25
